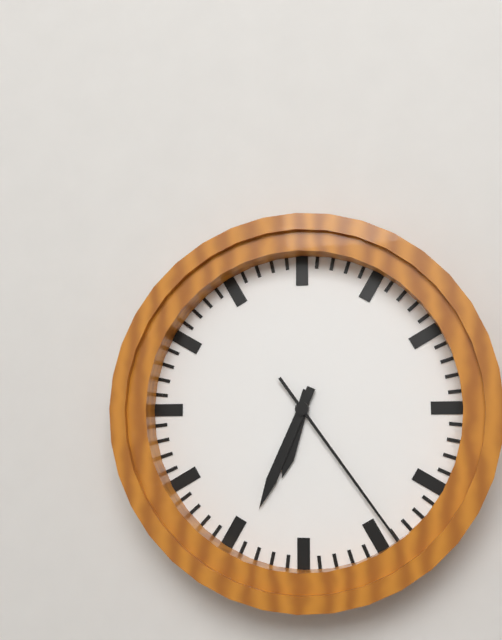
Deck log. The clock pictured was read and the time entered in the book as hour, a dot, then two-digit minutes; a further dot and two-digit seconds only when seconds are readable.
6.34.24
